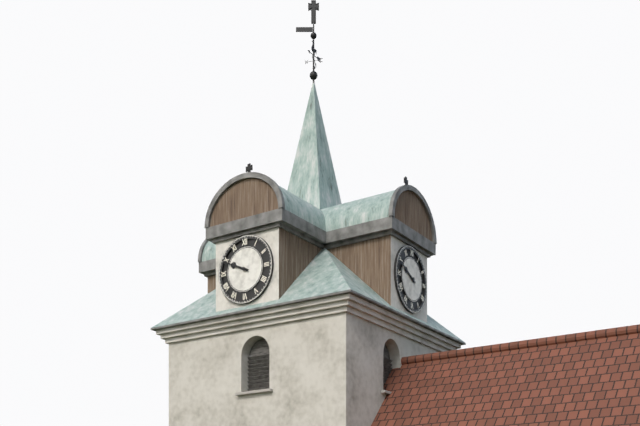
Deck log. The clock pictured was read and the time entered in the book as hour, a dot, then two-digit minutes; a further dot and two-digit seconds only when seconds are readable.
9.49
